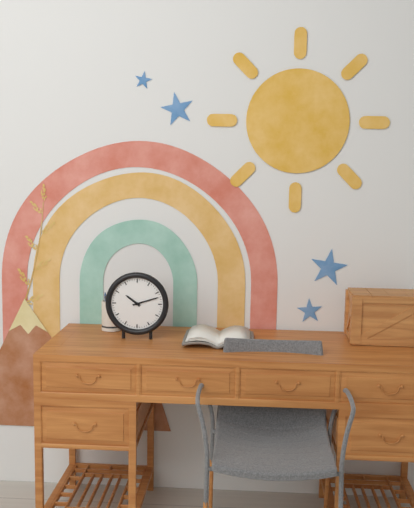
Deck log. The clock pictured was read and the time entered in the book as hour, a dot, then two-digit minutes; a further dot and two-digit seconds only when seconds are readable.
10.12
